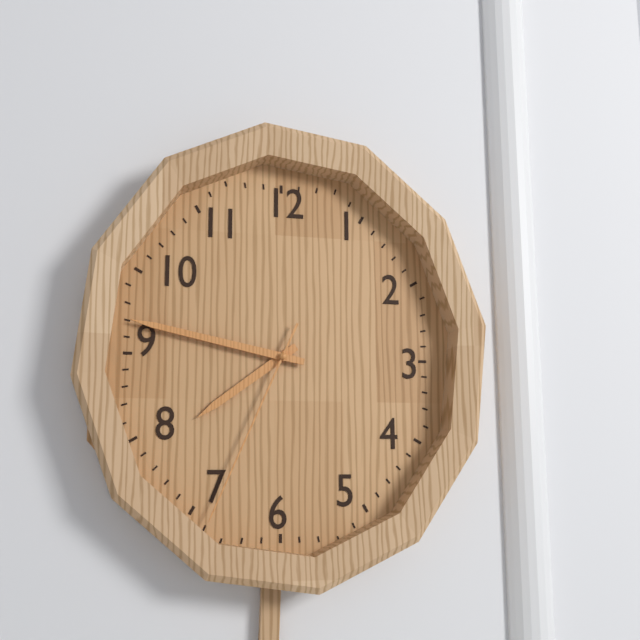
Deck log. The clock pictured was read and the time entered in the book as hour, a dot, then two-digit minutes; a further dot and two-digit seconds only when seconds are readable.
7.47.34
